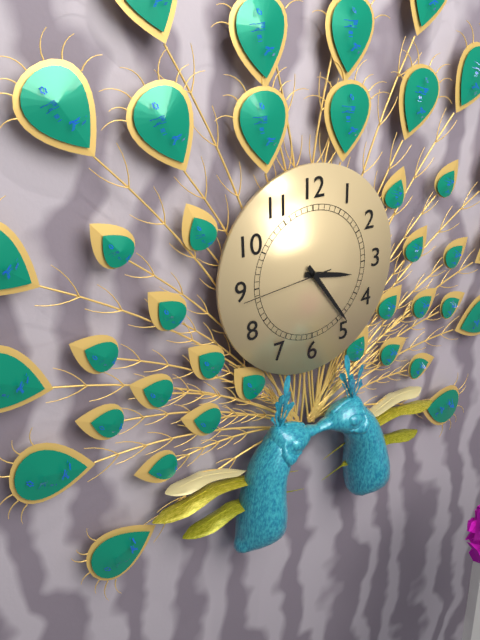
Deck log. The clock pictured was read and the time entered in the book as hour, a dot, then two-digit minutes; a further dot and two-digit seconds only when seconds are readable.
3.24.44
